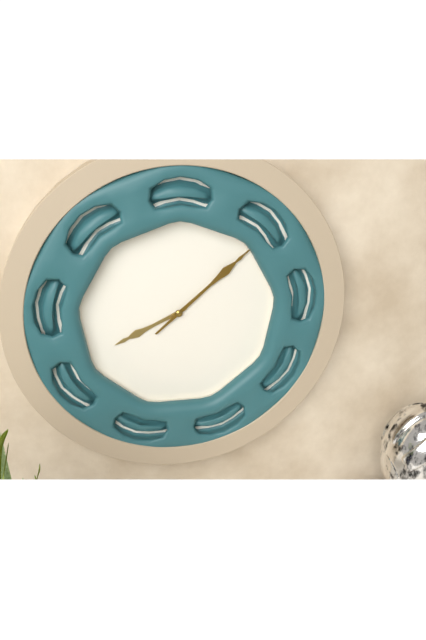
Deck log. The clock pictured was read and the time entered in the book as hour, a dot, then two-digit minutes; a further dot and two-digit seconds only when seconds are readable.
8.08
